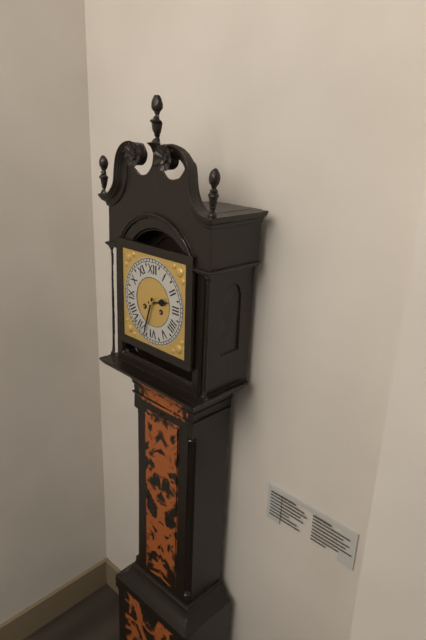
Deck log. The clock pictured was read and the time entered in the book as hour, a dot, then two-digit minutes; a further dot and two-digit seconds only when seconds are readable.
2.33
